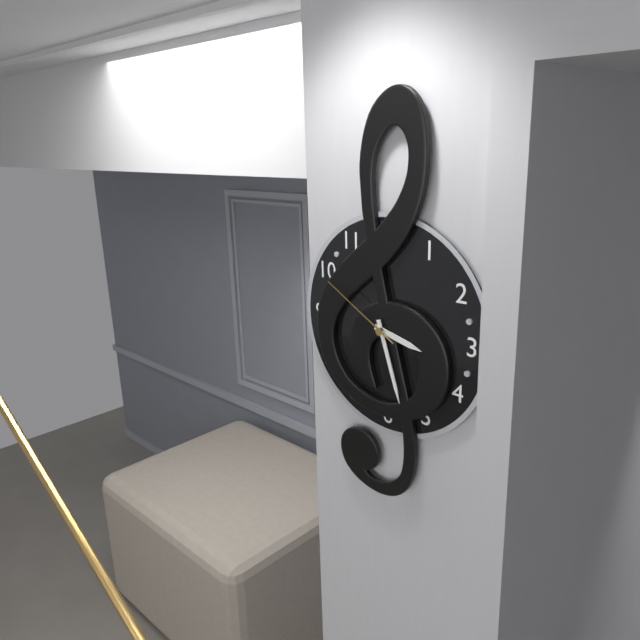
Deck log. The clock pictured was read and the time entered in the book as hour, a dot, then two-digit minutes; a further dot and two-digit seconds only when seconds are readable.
3.27.50
